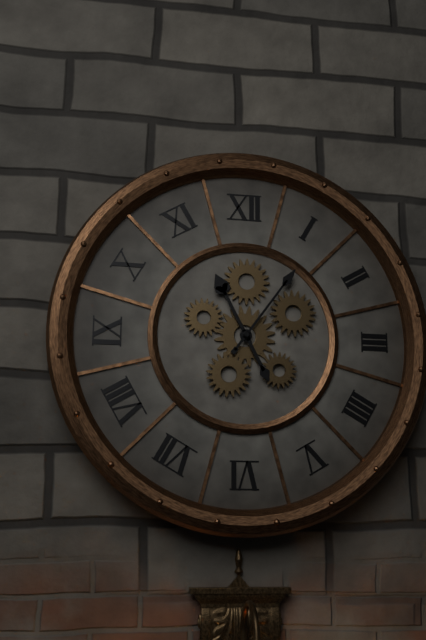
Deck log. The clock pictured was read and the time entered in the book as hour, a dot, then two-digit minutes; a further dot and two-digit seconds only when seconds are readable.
11.06
